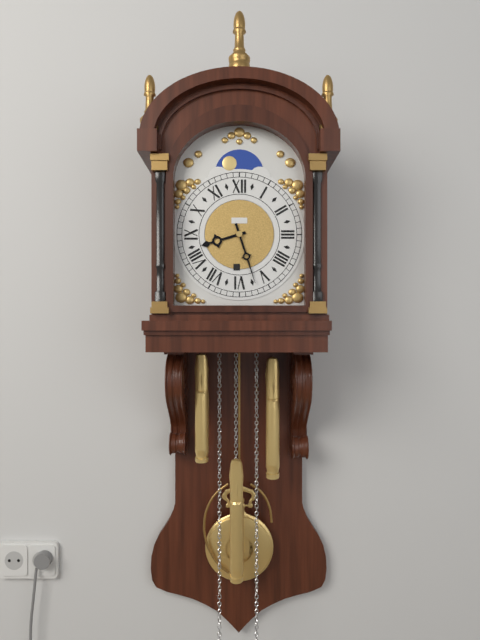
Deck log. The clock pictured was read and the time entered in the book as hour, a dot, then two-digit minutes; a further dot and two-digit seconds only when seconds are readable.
8.27
